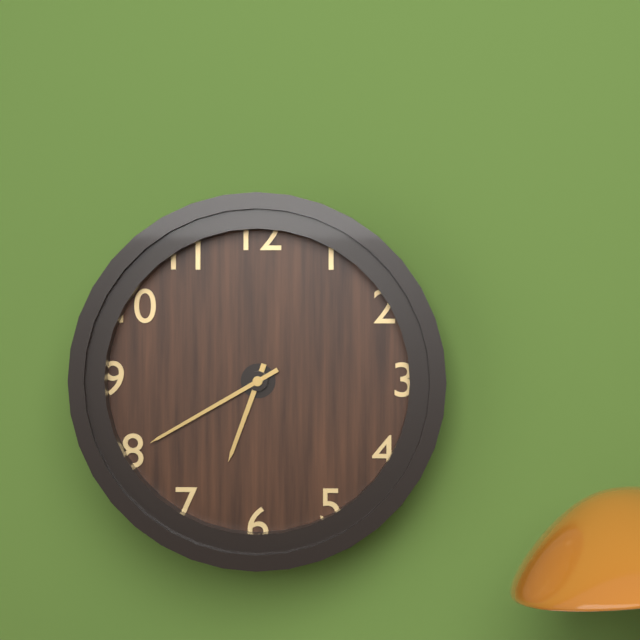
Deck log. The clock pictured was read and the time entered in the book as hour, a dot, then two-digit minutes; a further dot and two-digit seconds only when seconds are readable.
6.40
